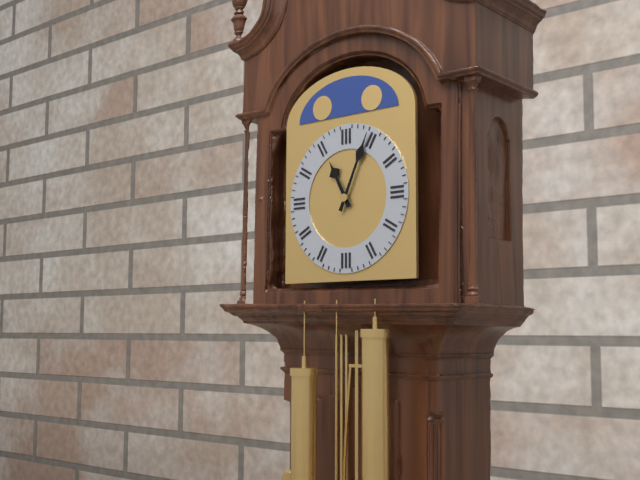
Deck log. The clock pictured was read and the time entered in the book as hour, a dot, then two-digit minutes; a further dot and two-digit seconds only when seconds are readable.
11.04
